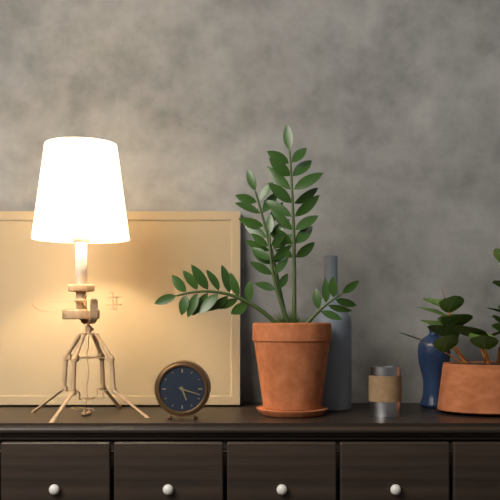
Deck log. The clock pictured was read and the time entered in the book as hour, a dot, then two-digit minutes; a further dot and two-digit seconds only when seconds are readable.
5.18
